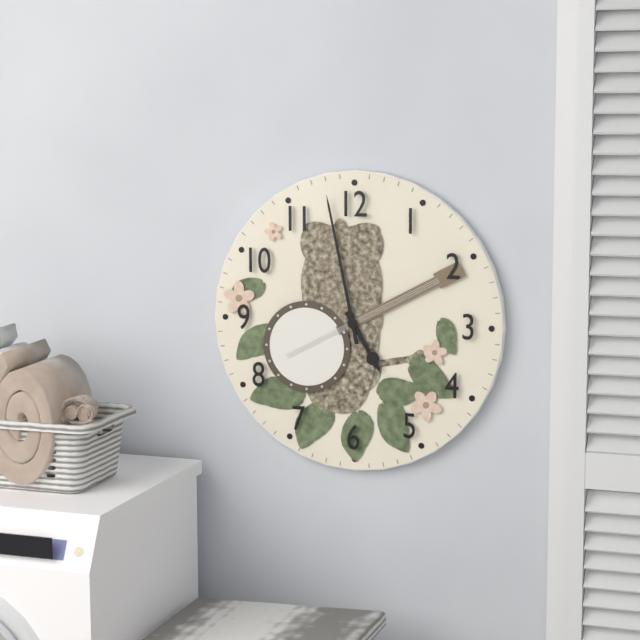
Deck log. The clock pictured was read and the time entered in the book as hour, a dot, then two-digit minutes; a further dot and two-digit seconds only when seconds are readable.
4.58
